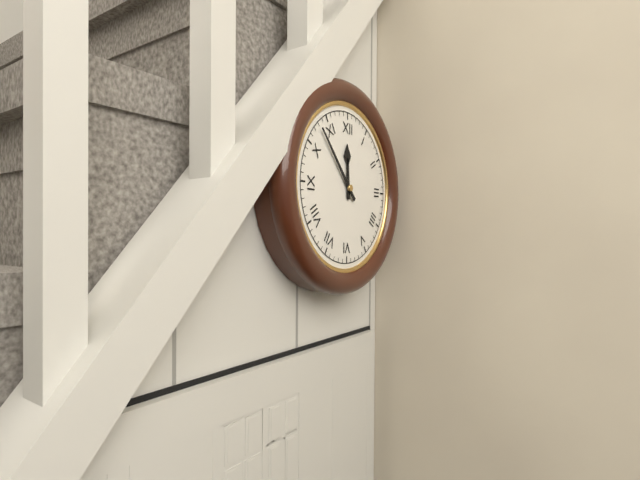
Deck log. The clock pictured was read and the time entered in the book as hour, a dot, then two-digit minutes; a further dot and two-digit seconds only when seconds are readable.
11.53
